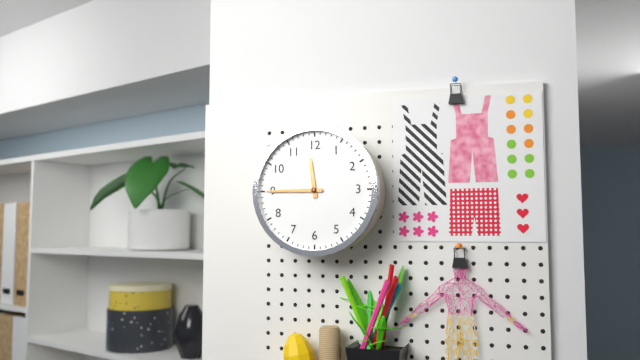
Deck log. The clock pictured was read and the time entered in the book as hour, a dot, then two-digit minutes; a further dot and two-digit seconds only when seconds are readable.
11.45
